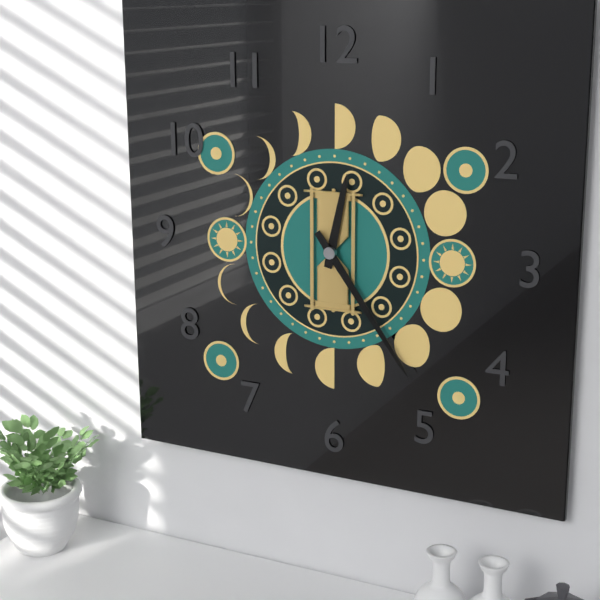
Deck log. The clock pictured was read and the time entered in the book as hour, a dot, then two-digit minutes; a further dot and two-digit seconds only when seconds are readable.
12.24
